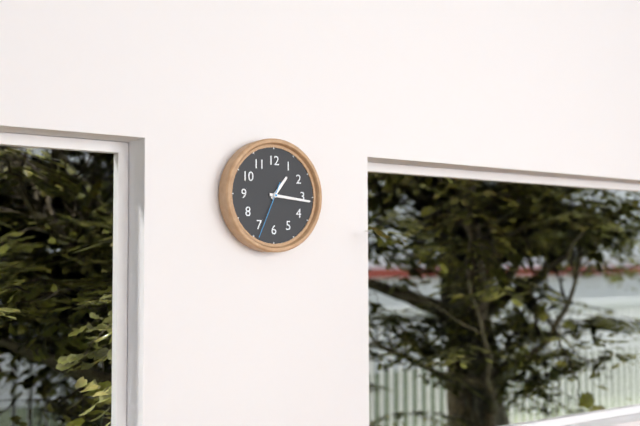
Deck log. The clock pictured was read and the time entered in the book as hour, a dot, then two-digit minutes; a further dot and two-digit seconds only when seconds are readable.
1.16.34
